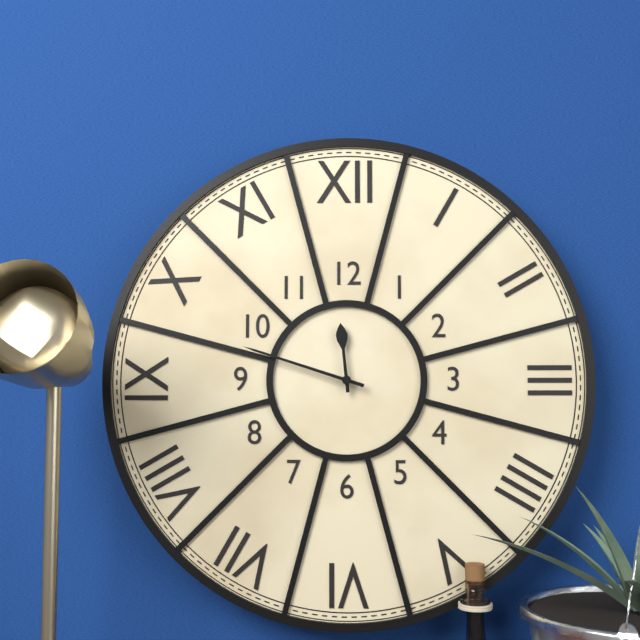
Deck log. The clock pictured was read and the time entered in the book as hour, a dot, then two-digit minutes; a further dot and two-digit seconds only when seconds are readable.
11.48
